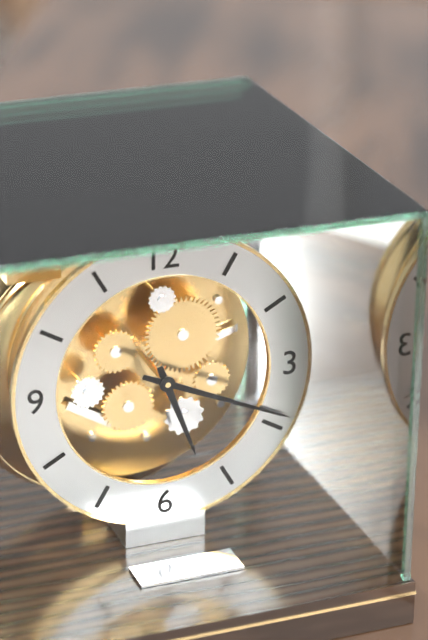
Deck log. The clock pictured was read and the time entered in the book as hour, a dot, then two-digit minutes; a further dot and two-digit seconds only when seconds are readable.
5.19
